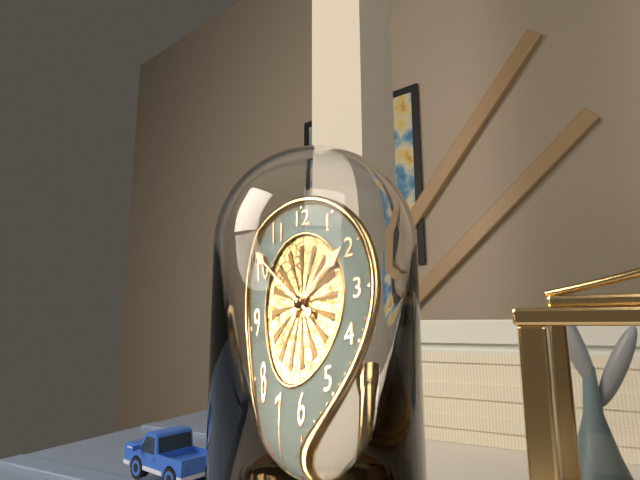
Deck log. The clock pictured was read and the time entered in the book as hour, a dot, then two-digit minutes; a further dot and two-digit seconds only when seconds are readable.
1.51
